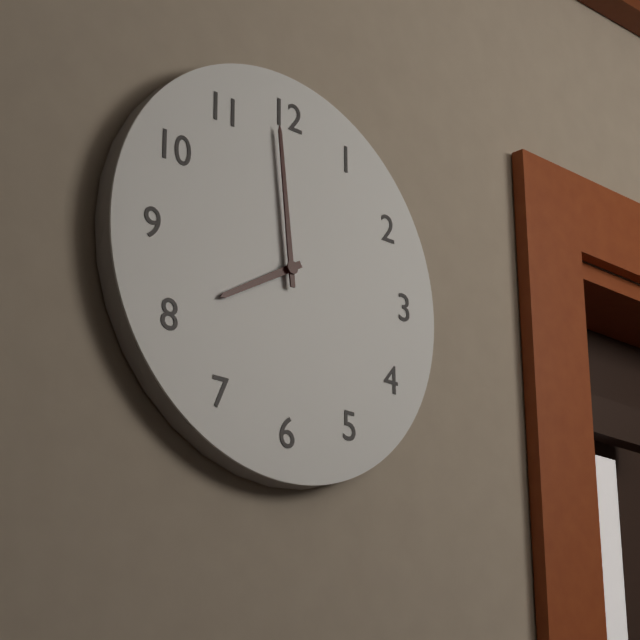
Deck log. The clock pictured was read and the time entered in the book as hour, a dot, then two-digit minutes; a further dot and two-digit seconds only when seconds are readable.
7.59
